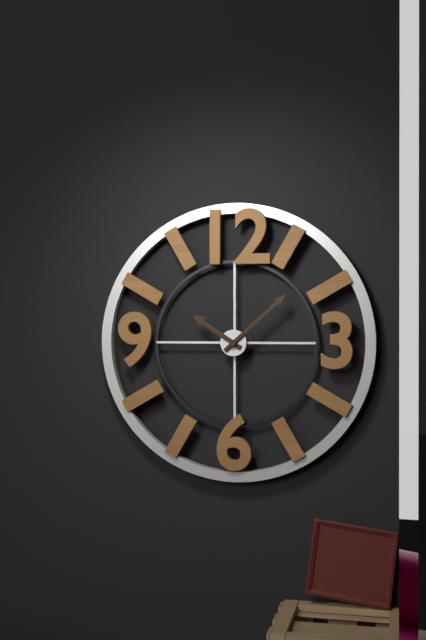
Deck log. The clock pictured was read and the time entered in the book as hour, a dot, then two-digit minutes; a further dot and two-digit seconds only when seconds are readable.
10.08
